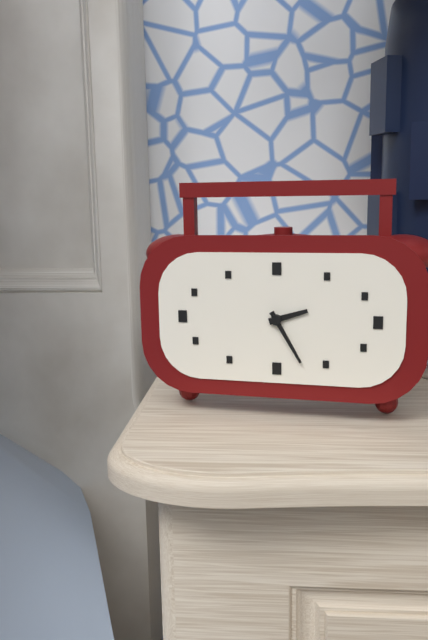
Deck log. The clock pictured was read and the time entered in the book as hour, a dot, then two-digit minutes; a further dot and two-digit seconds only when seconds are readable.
2.25
